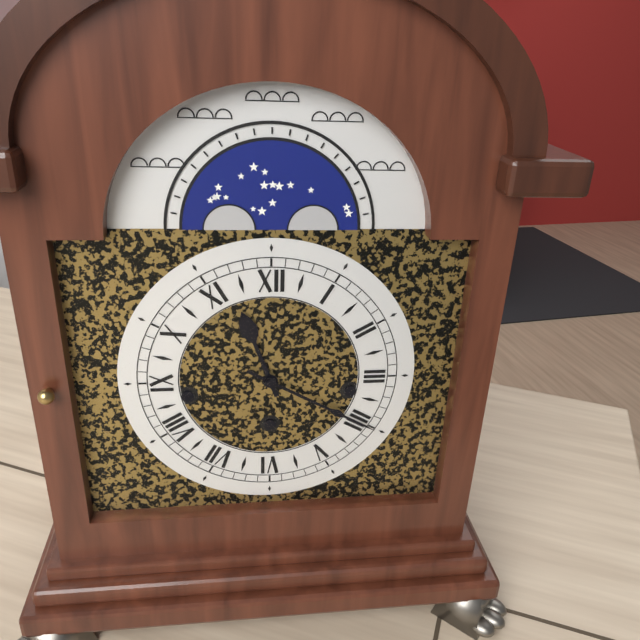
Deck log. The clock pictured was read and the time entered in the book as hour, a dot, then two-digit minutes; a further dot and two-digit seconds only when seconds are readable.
11.20
